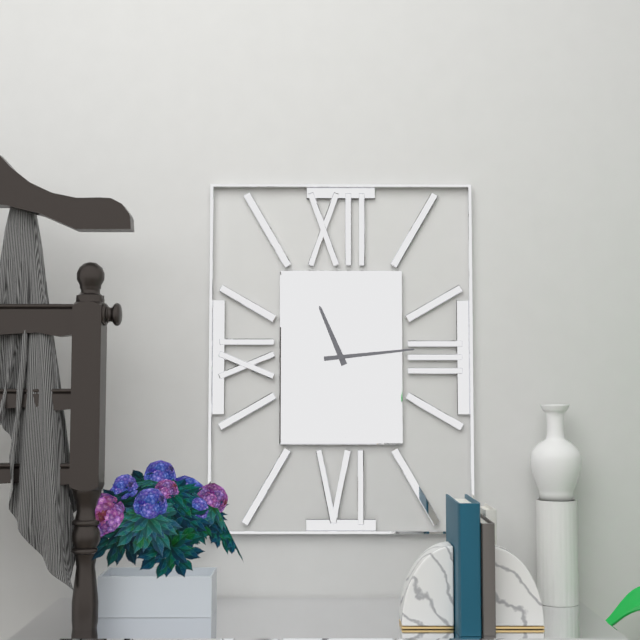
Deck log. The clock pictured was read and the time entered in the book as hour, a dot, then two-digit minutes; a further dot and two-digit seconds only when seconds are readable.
11.14
